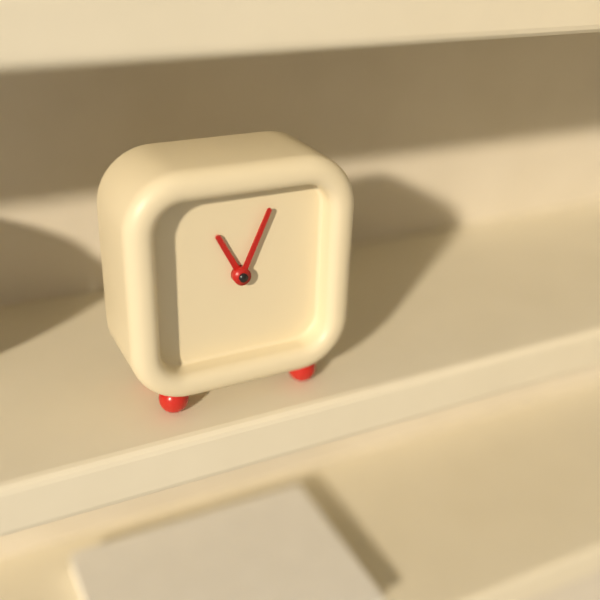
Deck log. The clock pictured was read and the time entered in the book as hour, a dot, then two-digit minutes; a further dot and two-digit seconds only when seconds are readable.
11.04
